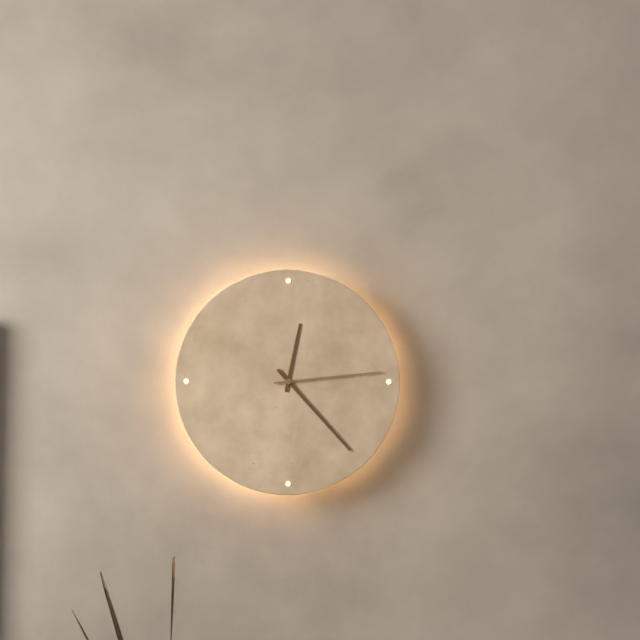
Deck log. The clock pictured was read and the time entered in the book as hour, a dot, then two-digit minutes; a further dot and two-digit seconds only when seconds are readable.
12.23.14
